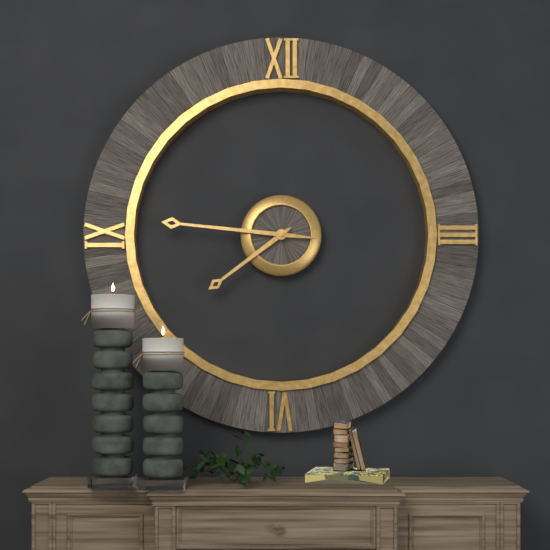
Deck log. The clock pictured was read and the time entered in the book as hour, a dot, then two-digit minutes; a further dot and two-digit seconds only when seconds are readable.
7.46
